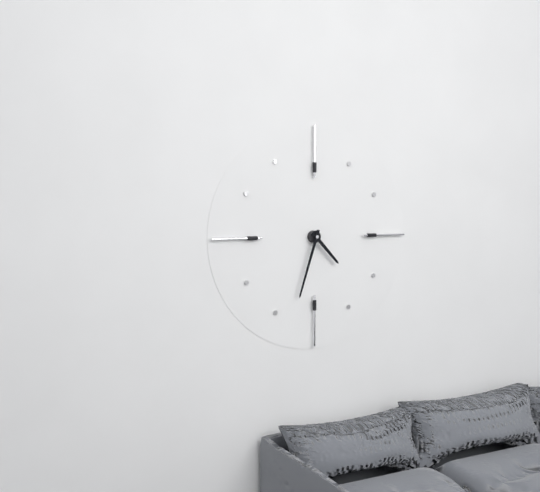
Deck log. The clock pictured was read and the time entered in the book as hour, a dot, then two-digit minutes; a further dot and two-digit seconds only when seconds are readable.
4.33
